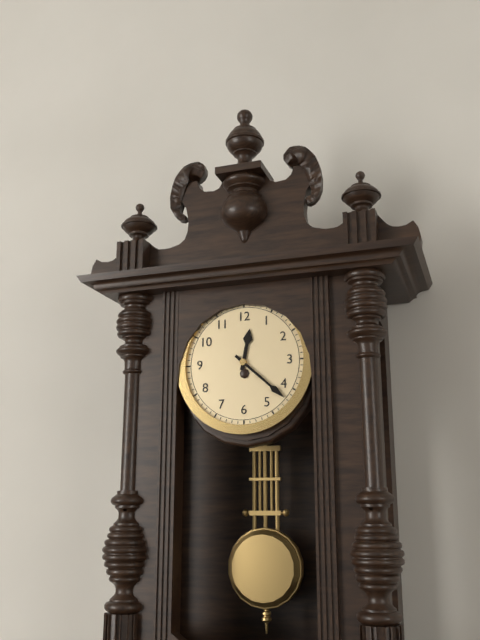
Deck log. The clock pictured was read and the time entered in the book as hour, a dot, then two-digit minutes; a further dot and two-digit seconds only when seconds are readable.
12.22
